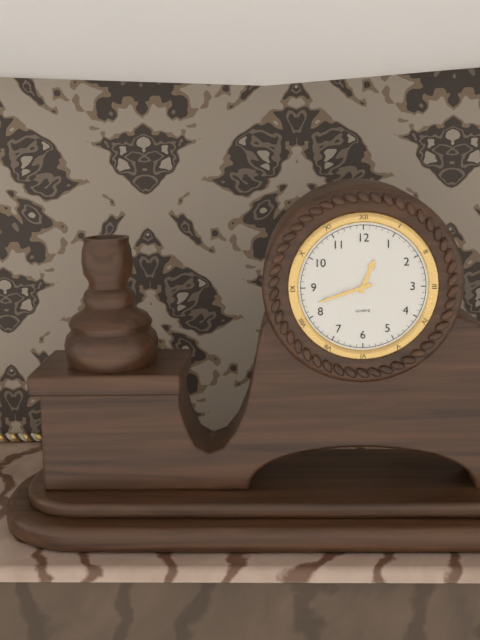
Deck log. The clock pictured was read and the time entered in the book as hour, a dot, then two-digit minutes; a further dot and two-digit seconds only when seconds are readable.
12.42
